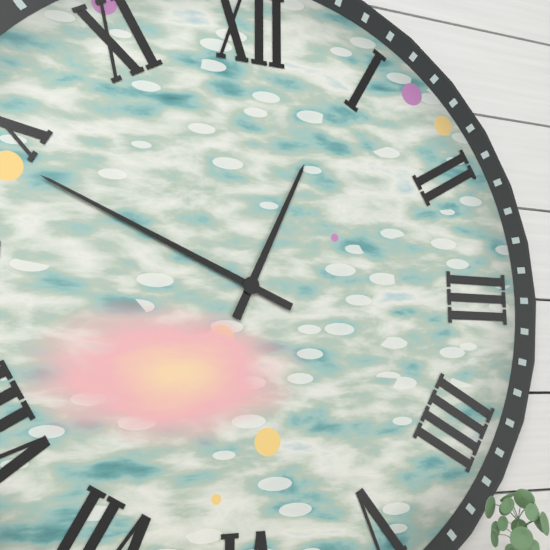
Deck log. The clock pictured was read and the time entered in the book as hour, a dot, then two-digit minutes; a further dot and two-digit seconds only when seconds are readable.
12.49
